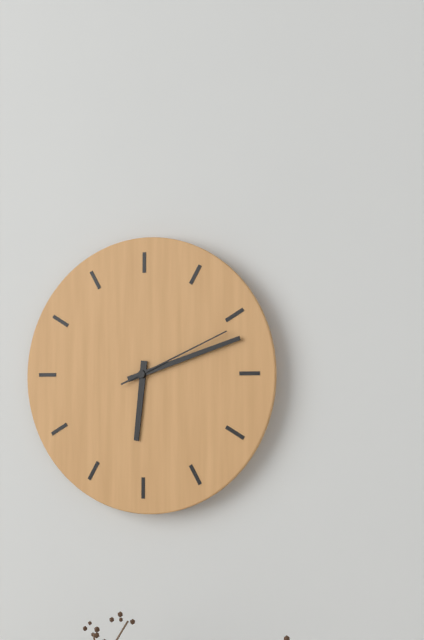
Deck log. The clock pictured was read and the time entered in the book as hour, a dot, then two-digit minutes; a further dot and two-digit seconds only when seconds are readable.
6.12.11
